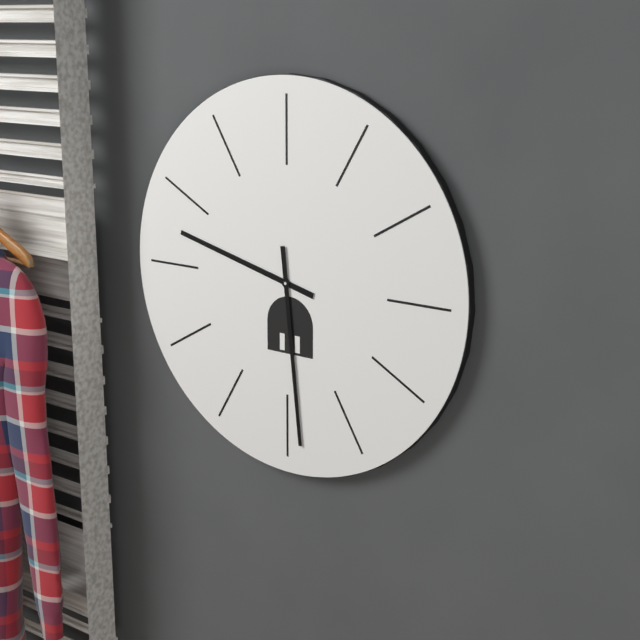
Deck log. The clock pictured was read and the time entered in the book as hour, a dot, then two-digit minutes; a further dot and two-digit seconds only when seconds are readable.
9.29
